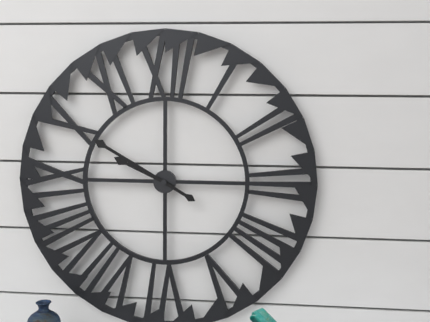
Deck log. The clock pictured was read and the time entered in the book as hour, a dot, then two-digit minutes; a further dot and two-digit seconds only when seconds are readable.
9.50
